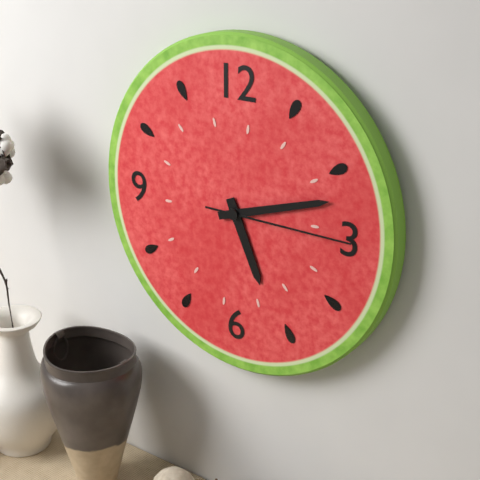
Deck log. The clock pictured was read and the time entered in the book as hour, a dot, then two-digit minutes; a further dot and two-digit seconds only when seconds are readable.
5.12.15
